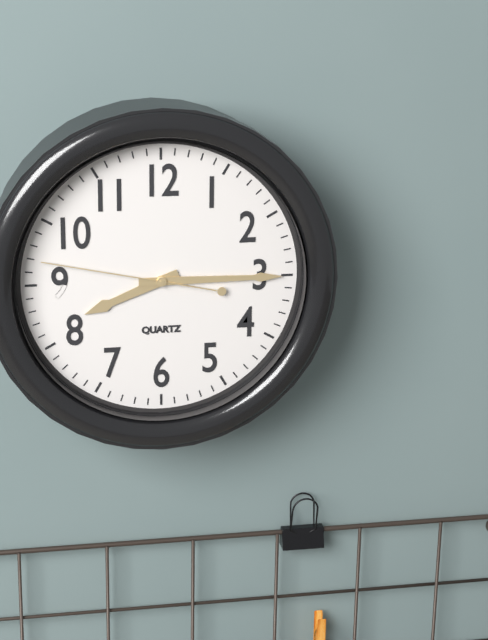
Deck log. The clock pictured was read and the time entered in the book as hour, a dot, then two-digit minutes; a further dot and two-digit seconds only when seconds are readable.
8.15.47
